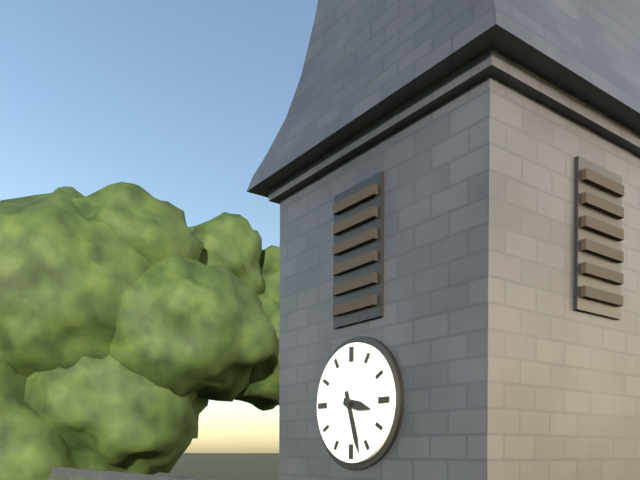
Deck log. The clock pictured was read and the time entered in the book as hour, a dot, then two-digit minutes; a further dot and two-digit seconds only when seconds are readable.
3.27
